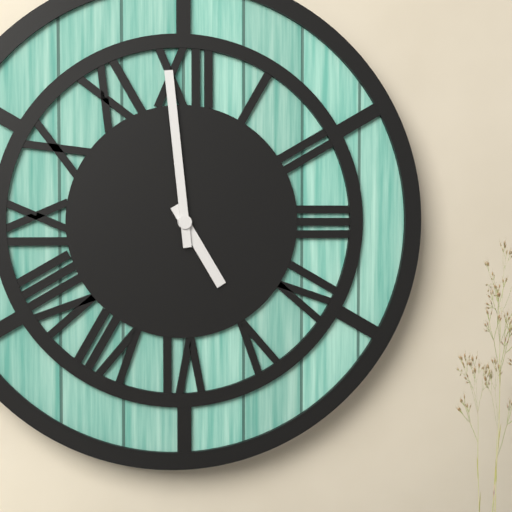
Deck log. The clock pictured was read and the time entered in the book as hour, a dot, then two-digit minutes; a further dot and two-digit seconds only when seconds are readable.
4.59
